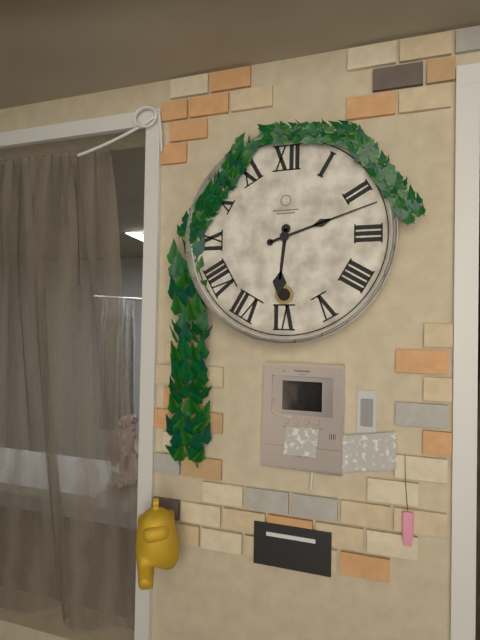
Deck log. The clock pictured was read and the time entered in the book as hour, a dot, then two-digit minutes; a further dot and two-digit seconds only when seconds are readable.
6.12
